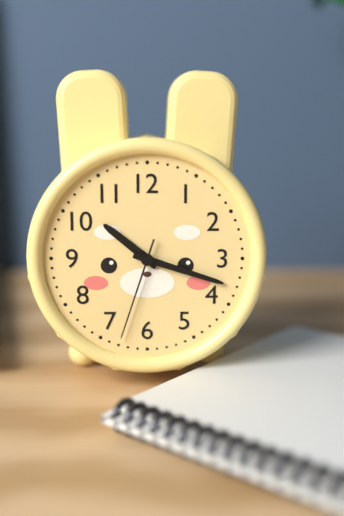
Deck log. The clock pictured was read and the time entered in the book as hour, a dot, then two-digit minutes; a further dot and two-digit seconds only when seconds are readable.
10.18.33
